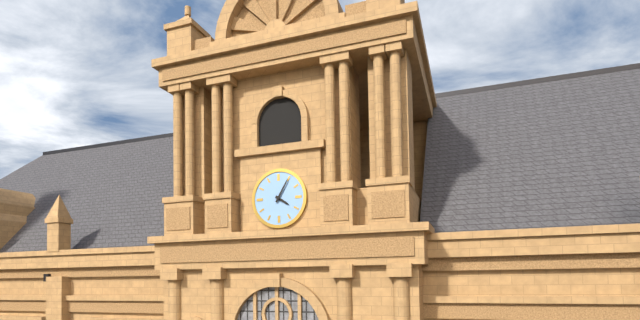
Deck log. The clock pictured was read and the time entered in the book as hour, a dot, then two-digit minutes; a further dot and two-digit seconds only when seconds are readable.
4.05
